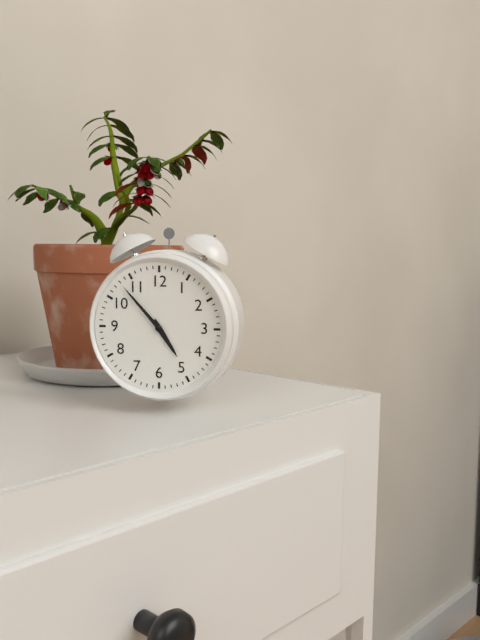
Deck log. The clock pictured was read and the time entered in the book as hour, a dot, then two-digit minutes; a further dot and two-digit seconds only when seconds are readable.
4.53
